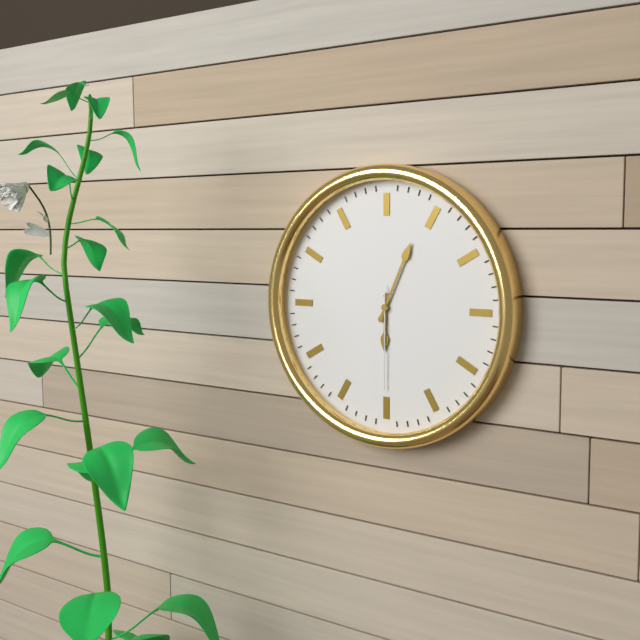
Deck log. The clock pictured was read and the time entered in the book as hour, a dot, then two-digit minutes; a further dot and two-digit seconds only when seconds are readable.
6.04.30
